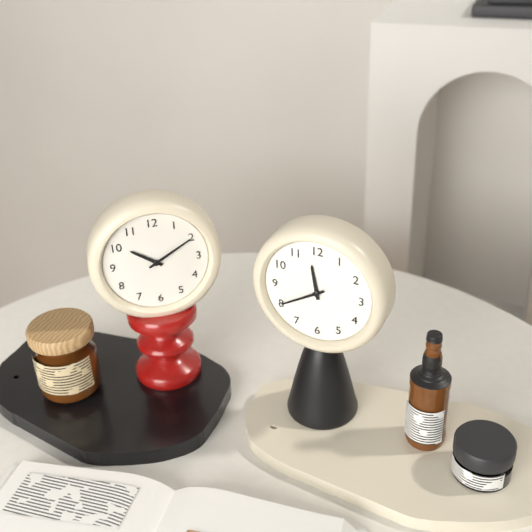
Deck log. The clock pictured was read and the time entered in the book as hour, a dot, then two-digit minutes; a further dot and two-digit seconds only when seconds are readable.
11.40
